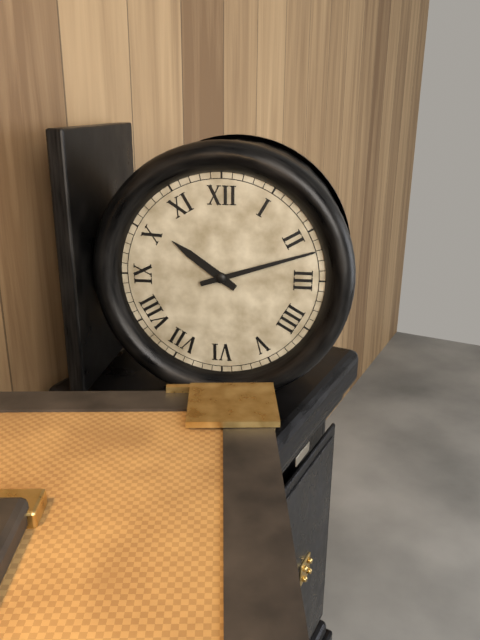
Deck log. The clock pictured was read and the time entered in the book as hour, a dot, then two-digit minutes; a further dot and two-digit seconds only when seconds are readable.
10.12
